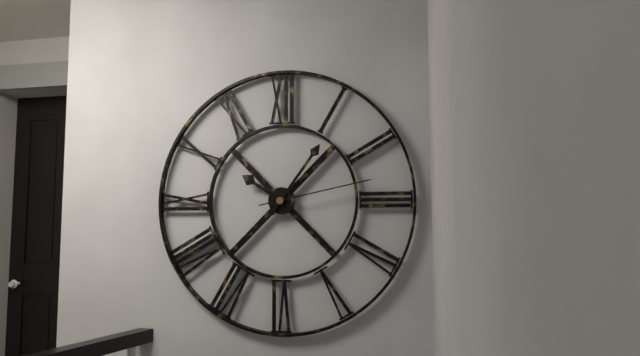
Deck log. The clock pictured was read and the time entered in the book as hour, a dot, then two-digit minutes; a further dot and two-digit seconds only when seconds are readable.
10.06.13
